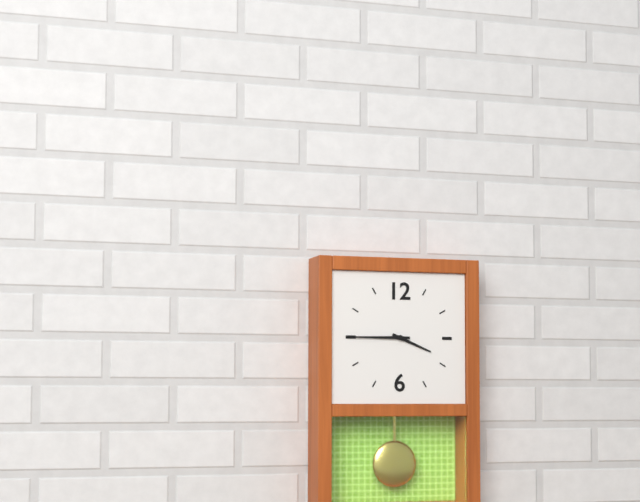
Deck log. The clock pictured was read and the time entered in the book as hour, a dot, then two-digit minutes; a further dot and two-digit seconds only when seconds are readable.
3.45
